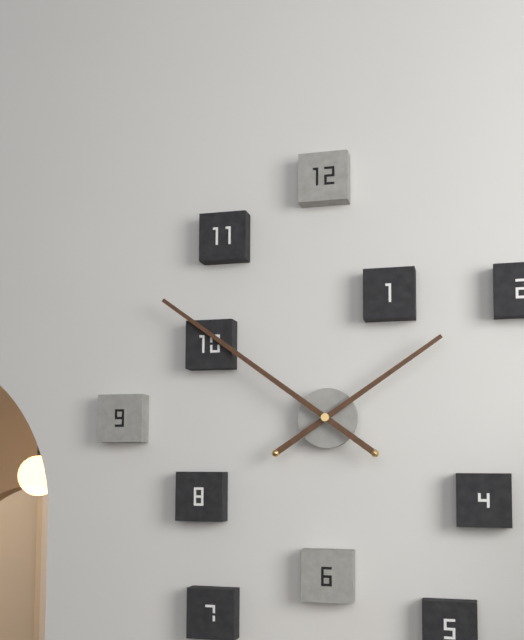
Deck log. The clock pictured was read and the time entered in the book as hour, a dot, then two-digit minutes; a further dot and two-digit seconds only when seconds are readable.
1.51
